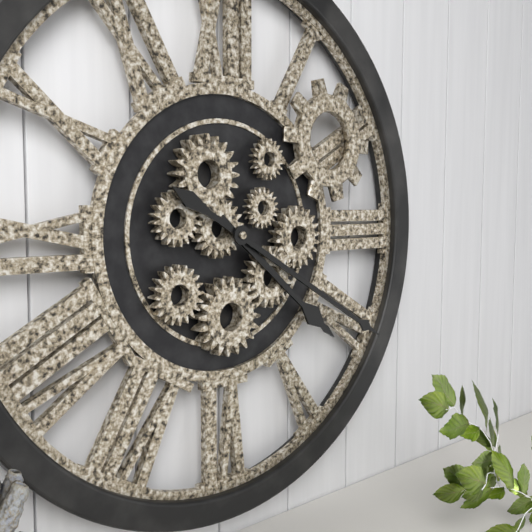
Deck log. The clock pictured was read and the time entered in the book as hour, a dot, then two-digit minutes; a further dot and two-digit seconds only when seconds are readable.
4.20
